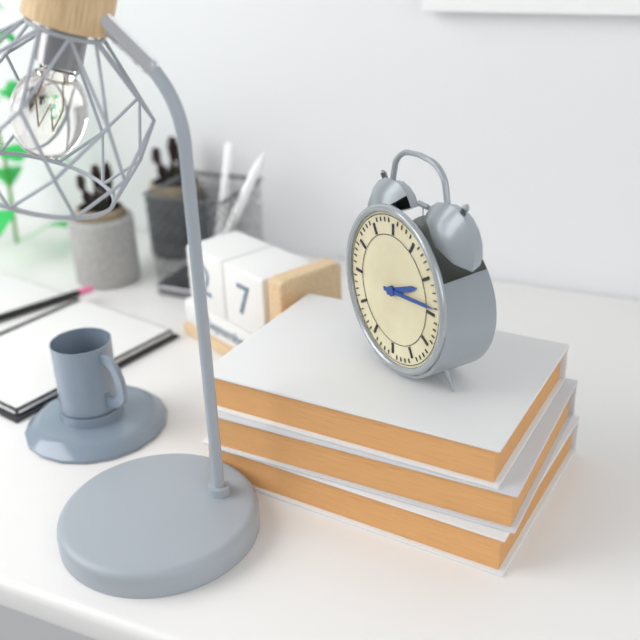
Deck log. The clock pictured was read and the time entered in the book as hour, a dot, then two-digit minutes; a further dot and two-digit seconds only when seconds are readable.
2.14
